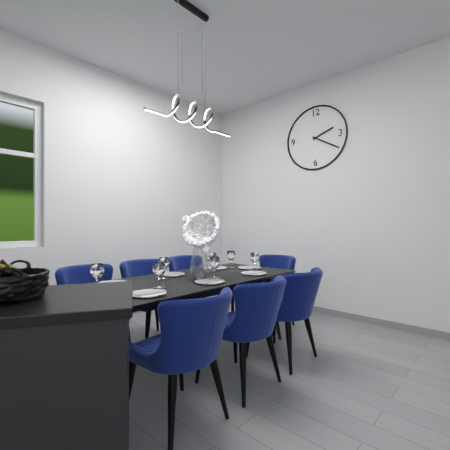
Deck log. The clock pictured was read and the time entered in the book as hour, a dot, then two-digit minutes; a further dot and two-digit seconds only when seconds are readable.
2.20
